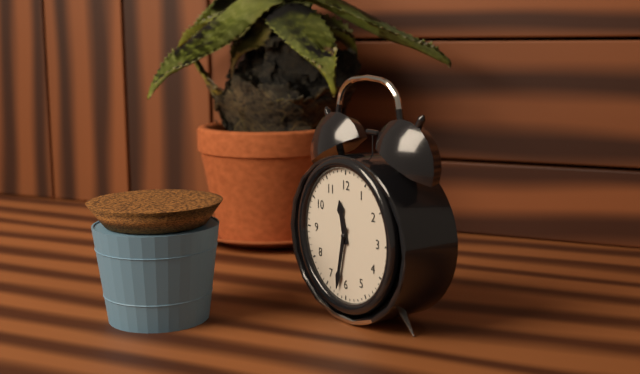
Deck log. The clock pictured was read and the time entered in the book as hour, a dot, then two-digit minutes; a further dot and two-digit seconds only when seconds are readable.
11.32
